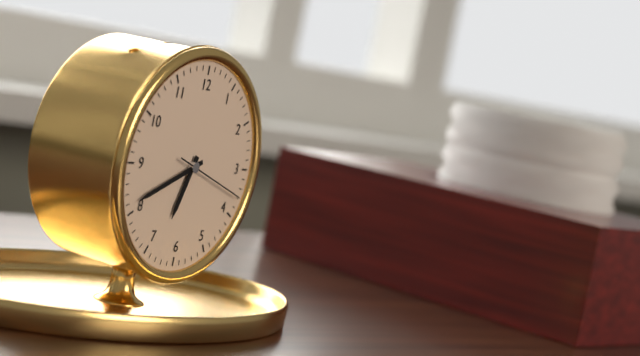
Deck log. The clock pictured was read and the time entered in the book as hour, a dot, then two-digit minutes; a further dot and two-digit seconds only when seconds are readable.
6.41.18
